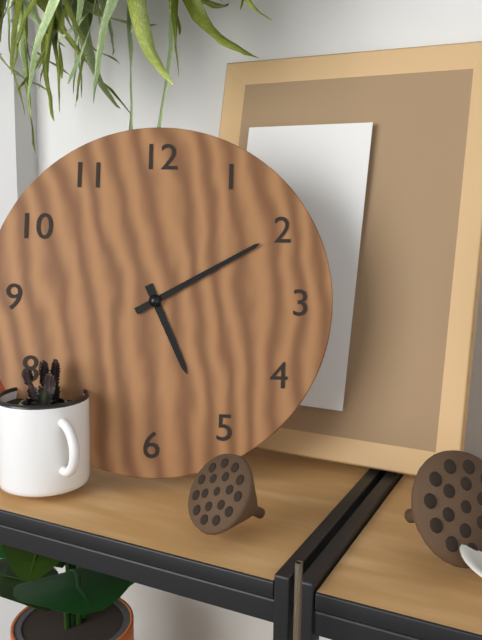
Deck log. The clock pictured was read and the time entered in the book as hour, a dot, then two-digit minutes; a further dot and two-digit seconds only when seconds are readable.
5.10
